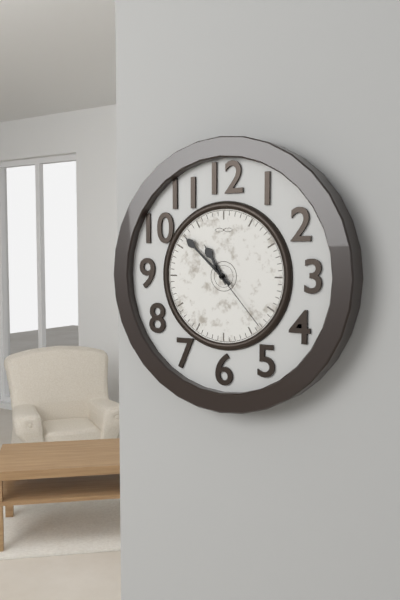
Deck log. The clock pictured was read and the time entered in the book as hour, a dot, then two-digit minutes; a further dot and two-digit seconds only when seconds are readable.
10.52.23
